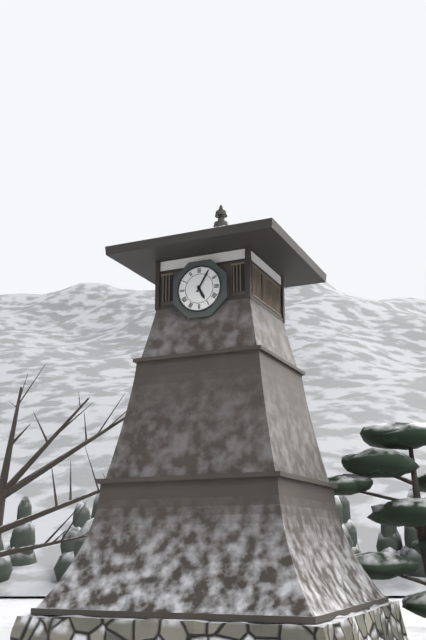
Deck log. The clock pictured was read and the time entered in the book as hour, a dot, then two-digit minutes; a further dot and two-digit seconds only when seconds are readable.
5.05
